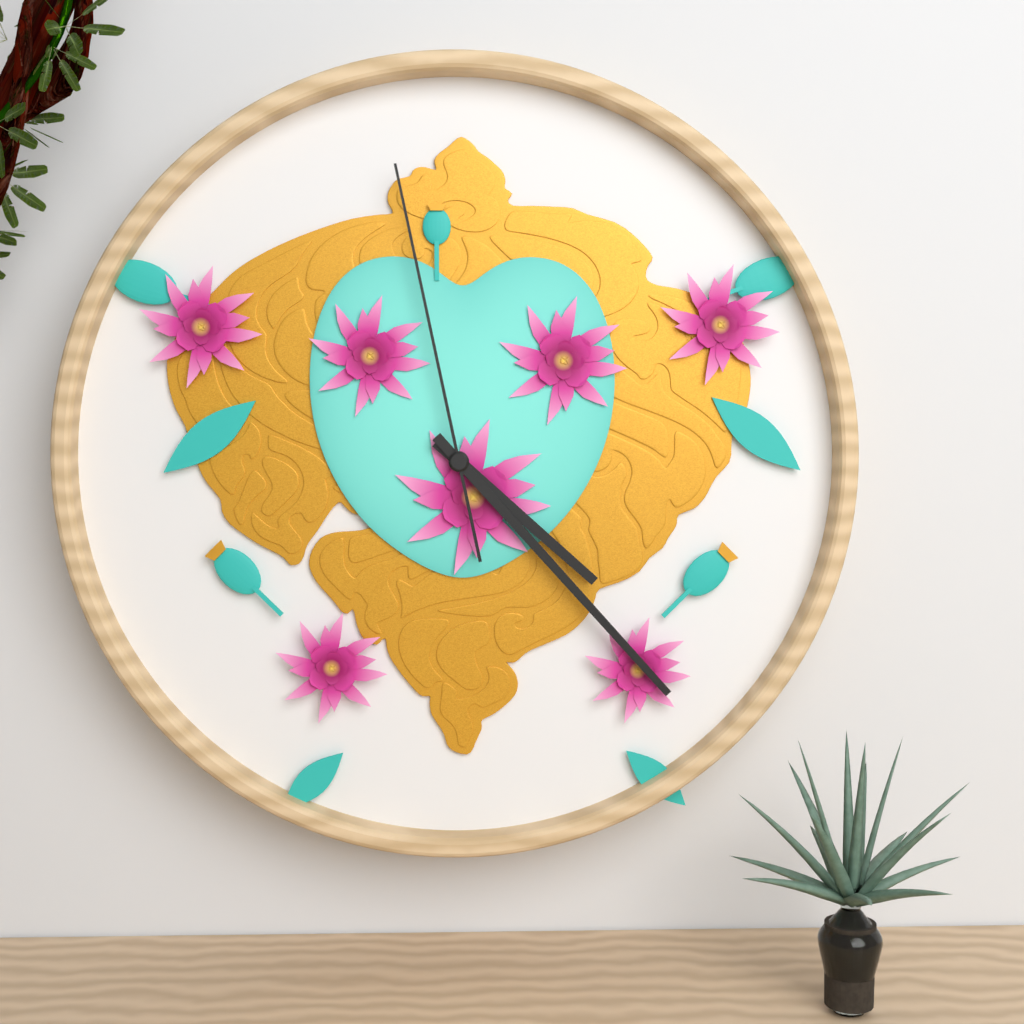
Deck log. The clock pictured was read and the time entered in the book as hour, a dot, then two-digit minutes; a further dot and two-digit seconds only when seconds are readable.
4.23.58
